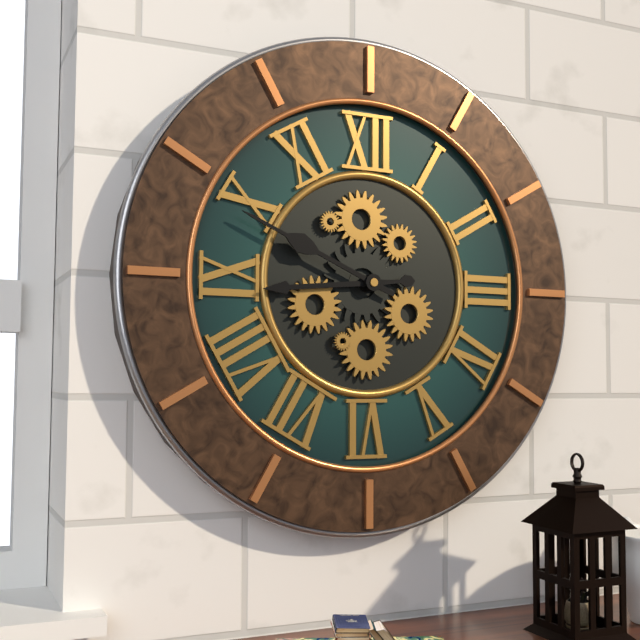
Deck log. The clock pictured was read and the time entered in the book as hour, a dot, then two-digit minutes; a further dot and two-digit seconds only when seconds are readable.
8.49
